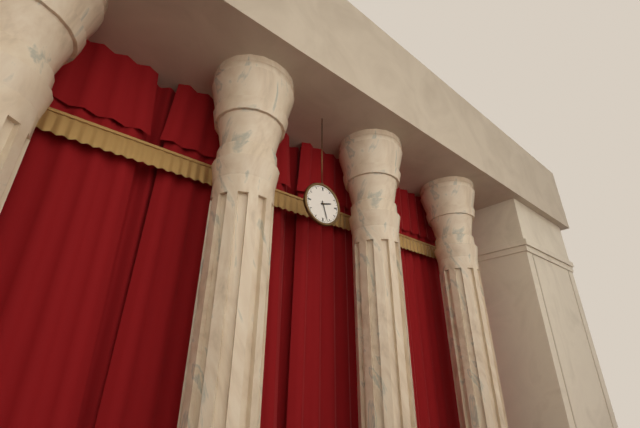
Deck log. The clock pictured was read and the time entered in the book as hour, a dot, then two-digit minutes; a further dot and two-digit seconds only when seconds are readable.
2.27
